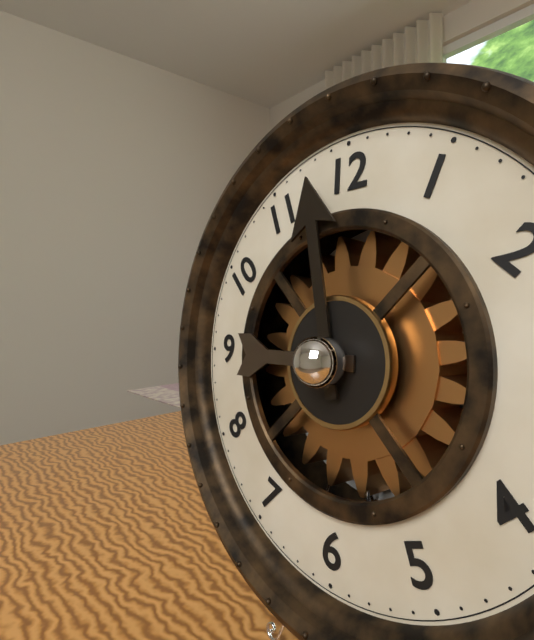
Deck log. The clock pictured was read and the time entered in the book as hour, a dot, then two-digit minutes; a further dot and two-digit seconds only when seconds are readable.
8.58
